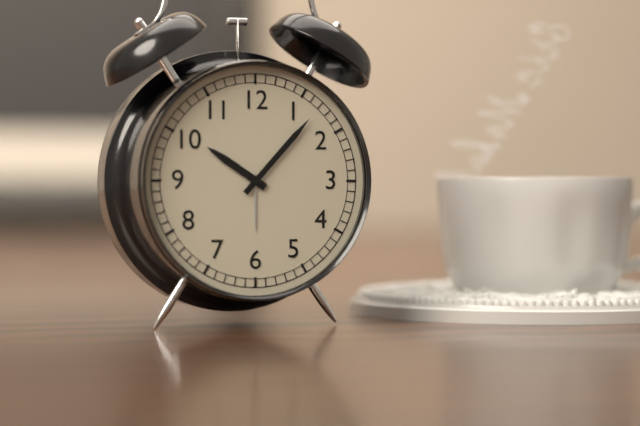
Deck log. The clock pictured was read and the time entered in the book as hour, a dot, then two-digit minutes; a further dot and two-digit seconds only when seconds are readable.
10.07
